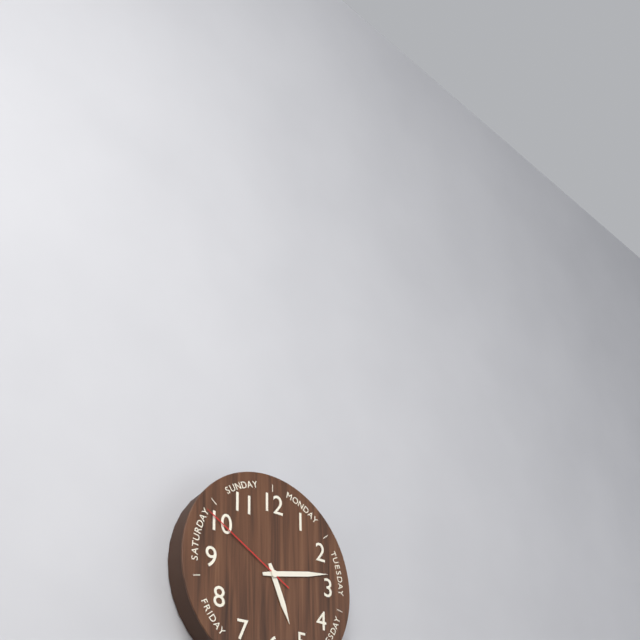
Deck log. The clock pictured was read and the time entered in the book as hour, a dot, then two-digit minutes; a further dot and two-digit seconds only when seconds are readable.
5.13.50
